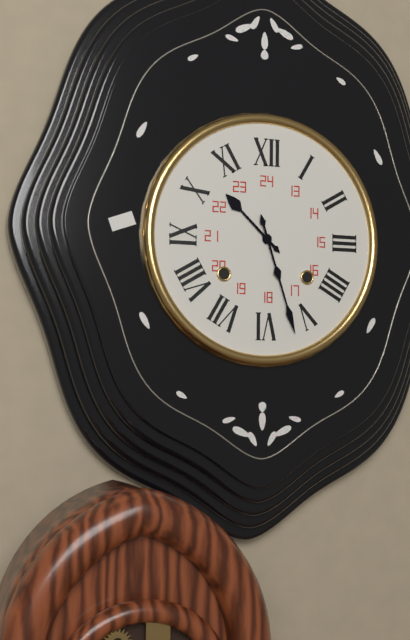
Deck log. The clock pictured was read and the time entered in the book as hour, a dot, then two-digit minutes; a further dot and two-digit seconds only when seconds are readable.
10.27
